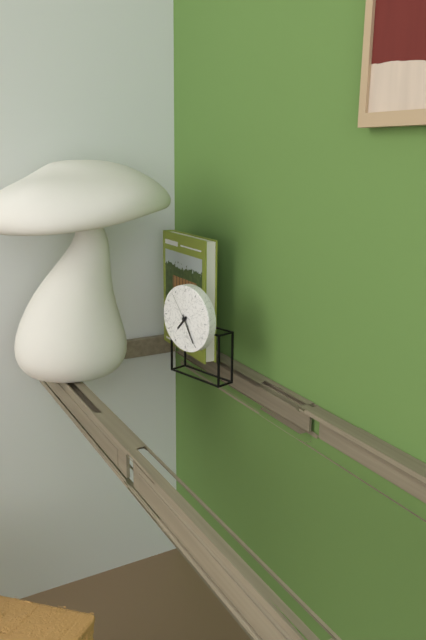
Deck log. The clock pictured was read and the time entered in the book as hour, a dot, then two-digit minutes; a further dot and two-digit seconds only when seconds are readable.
7.25
